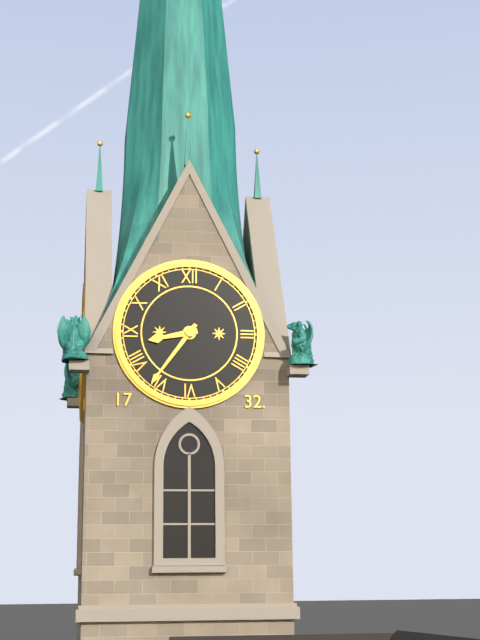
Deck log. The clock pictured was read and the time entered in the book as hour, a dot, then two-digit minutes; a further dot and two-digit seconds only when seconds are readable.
8.36
